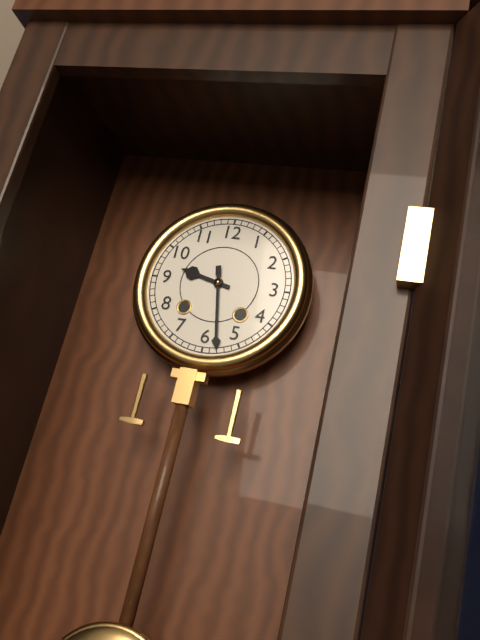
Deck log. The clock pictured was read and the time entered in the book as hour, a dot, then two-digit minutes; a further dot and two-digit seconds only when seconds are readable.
9.28
